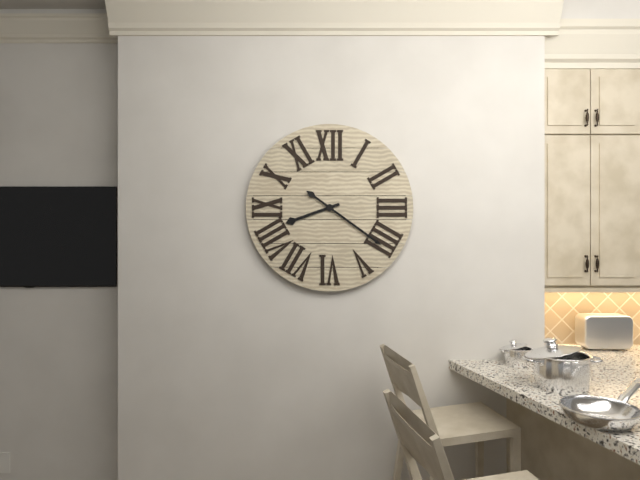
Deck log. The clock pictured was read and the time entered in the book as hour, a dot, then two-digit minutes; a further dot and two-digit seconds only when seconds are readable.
8.21
